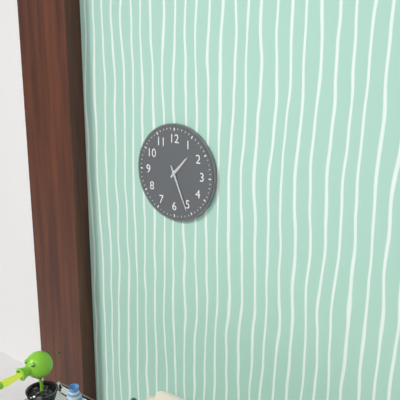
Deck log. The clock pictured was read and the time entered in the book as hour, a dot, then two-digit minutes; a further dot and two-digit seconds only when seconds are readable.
1.26
